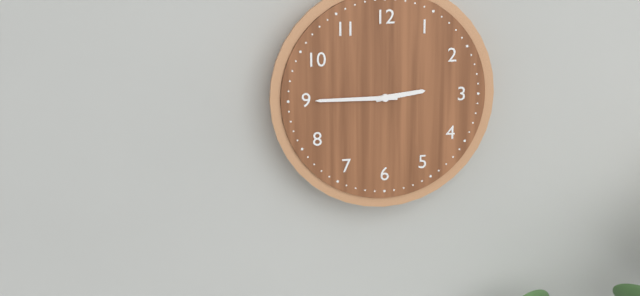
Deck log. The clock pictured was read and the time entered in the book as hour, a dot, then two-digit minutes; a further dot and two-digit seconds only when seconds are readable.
2.45
